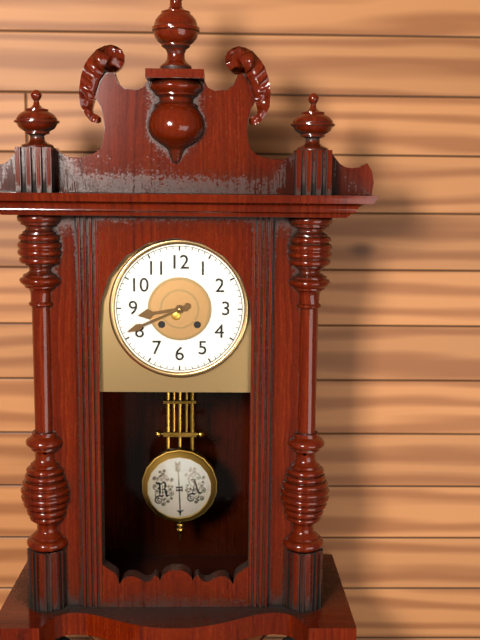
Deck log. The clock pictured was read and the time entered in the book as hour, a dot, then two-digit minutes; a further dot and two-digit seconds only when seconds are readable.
8.41
